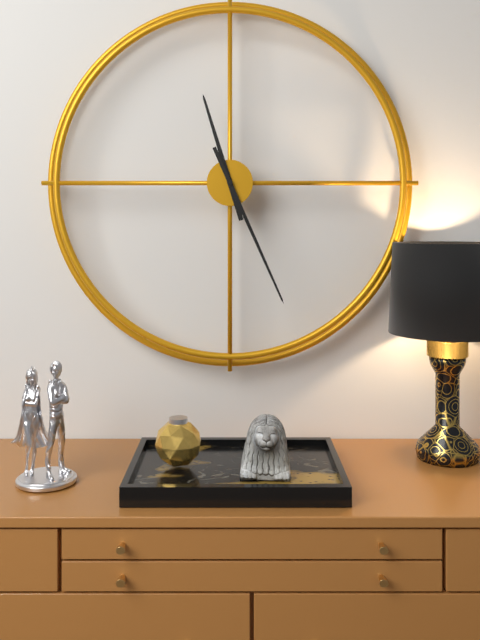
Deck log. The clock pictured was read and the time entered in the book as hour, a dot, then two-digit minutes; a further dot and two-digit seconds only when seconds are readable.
11.26
